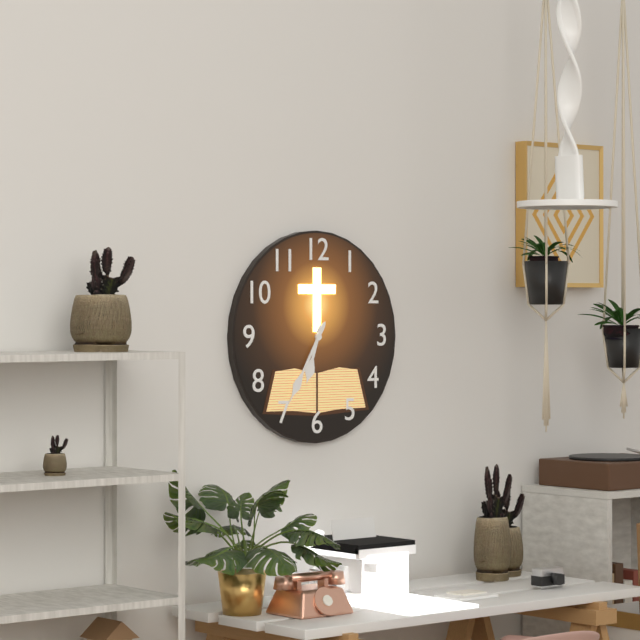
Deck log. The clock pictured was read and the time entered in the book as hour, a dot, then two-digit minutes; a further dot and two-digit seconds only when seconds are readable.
6.35
